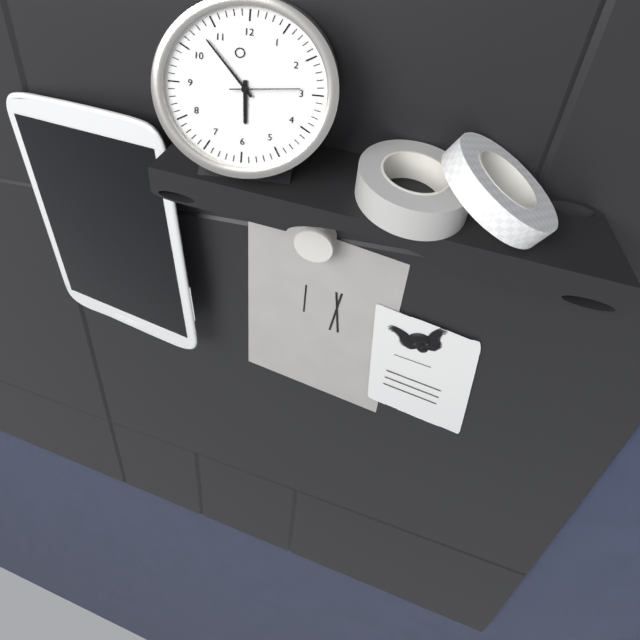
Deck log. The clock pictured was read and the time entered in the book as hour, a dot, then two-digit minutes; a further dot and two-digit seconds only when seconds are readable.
5.53.14
